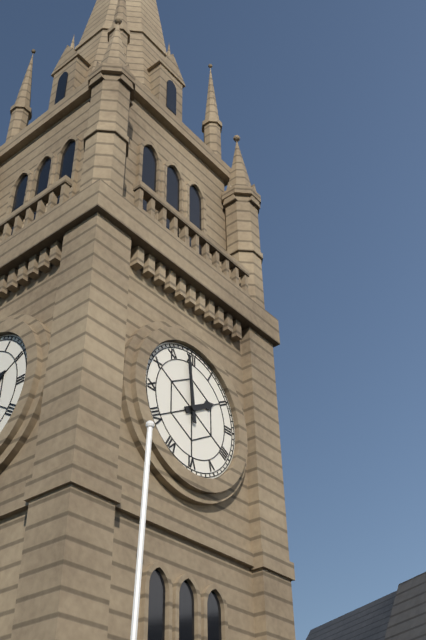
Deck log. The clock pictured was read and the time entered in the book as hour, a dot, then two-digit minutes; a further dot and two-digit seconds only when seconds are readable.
1.59
